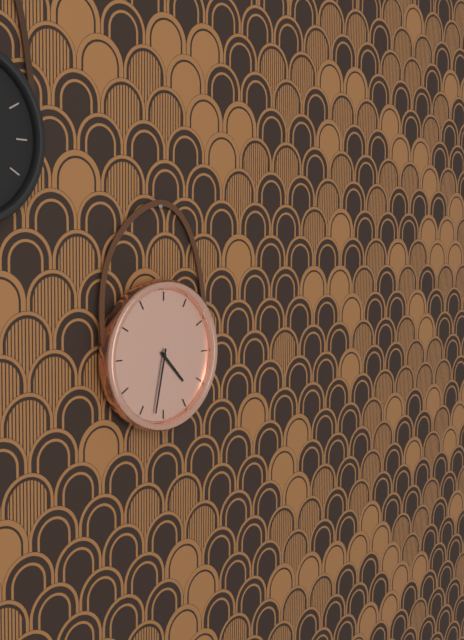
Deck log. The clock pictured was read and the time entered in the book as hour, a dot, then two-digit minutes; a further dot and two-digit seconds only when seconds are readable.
4.32
